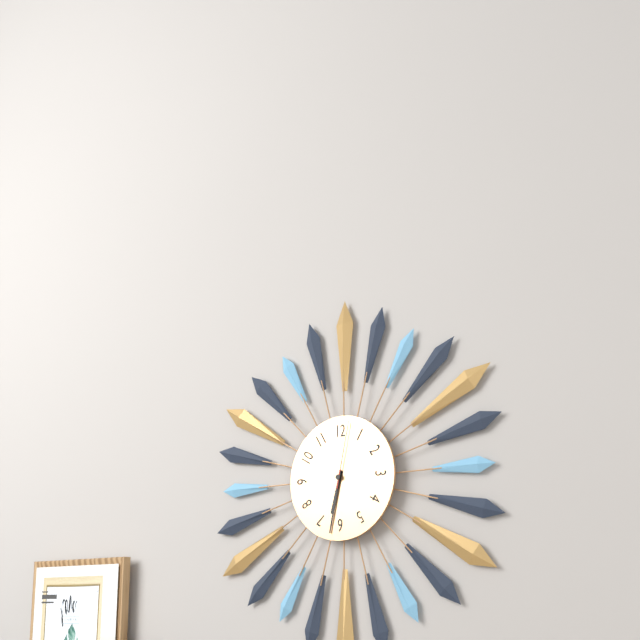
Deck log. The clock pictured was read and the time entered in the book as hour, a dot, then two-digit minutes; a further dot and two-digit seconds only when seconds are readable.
6.32.02
